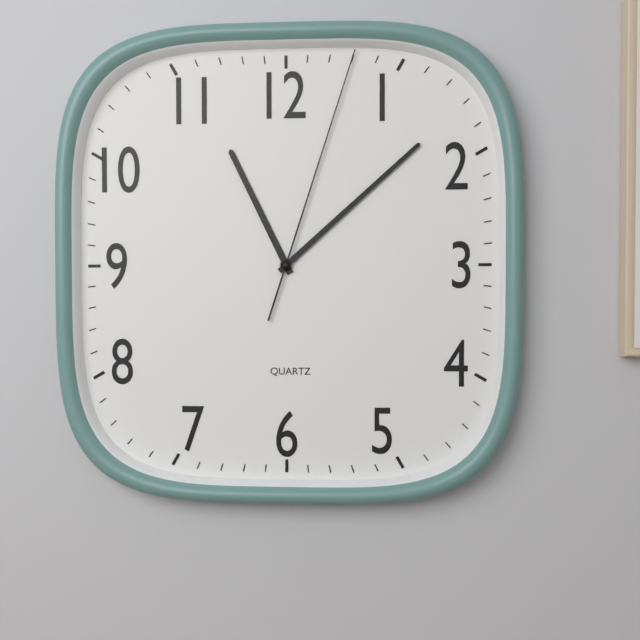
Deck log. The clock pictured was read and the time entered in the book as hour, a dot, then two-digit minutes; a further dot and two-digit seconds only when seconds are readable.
11.08.03
